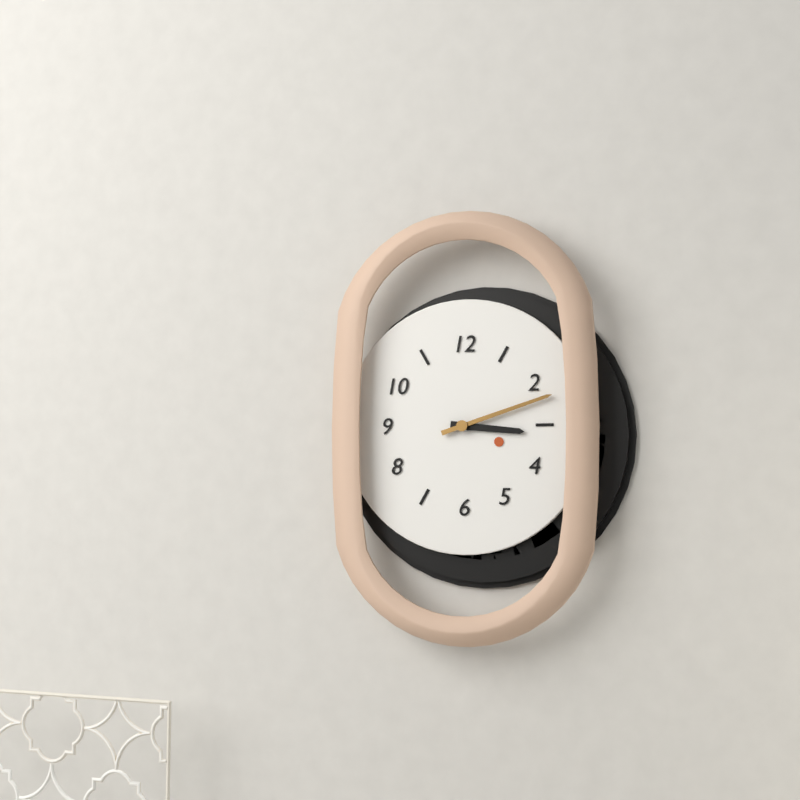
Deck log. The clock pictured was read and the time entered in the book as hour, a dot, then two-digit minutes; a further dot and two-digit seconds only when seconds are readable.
3.12
